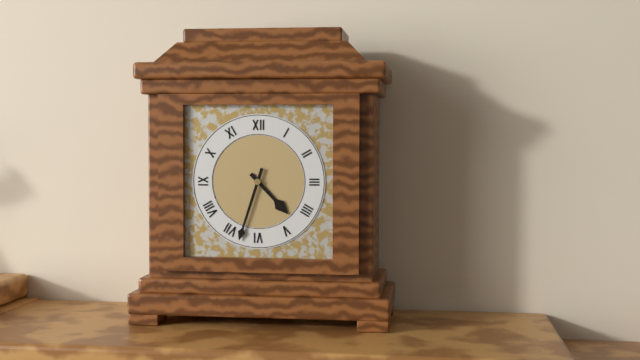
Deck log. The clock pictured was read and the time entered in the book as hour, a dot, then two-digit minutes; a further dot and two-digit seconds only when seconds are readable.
4.33
